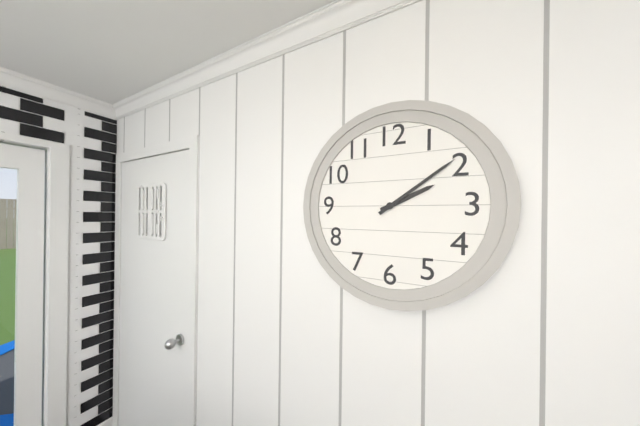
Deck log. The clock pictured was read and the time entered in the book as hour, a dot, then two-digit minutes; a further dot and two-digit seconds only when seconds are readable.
2.09
